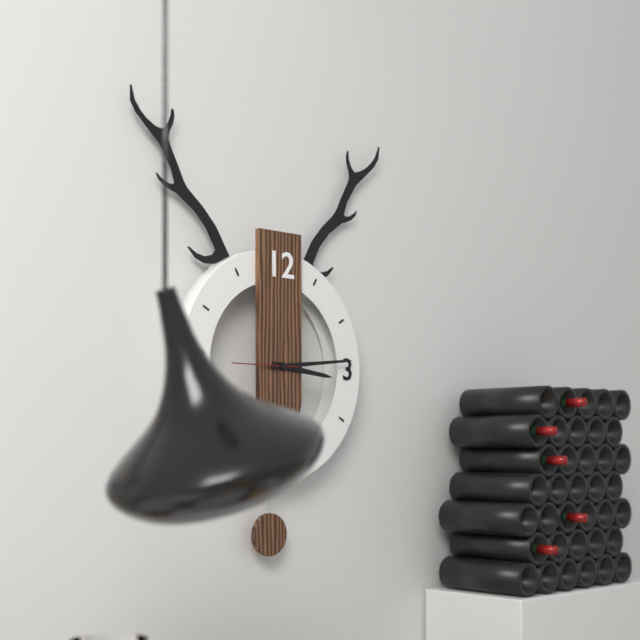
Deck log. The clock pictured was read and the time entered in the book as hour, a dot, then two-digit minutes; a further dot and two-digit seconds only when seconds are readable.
3.14.45
